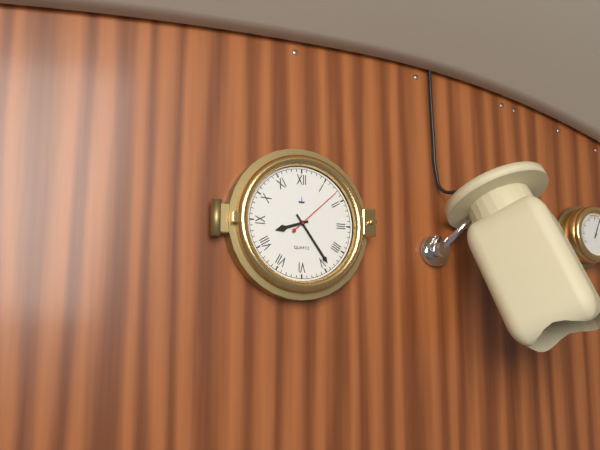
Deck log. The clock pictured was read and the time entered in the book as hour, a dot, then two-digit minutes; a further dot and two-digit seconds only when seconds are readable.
8.24.08
